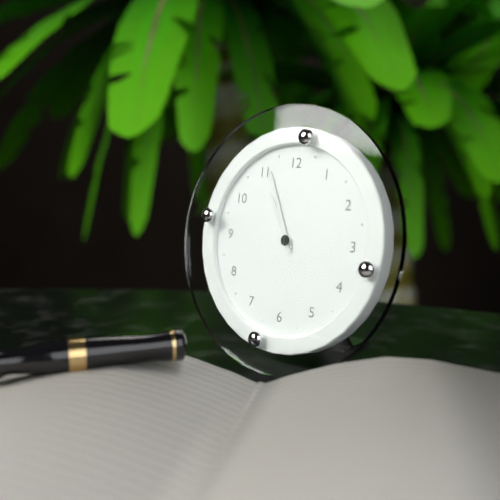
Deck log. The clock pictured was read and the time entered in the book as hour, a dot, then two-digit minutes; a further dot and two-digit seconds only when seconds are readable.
10.56
